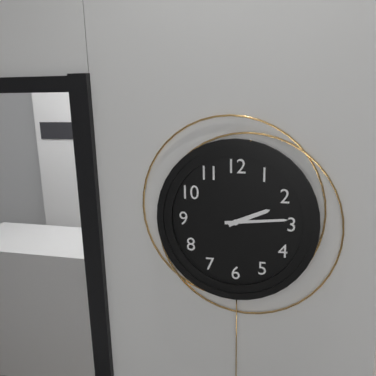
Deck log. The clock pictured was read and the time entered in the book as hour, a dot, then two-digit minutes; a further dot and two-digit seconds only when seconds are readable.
2.14
